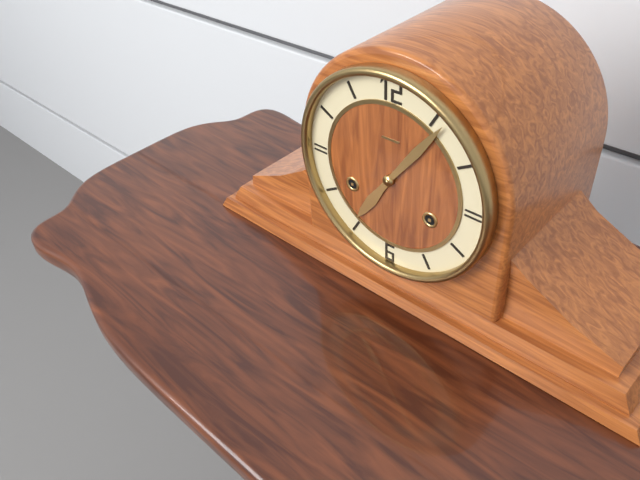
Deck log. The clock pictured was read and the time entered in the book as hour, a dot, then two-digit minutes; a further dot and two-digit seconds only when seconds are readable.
7.06
